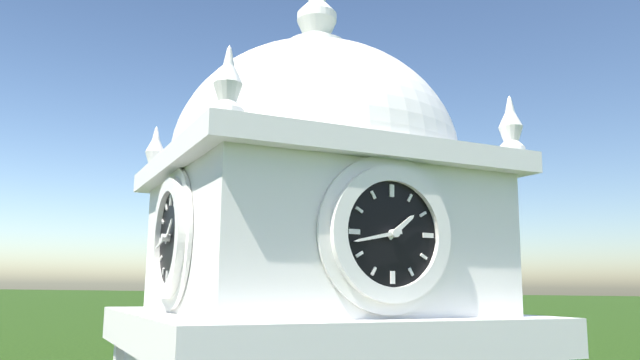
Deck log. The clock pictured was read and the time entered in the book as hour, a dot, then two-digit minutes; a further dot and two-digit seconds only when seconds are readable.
1.43
